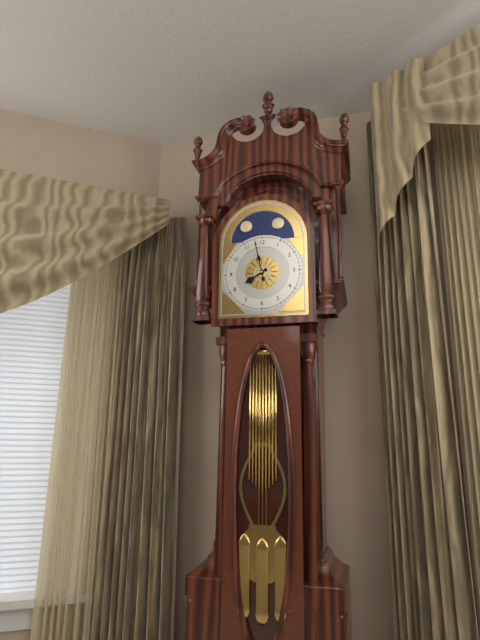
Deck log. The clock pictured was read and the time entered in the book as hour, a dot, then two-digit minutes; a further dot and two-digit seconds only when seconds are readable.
7.58
